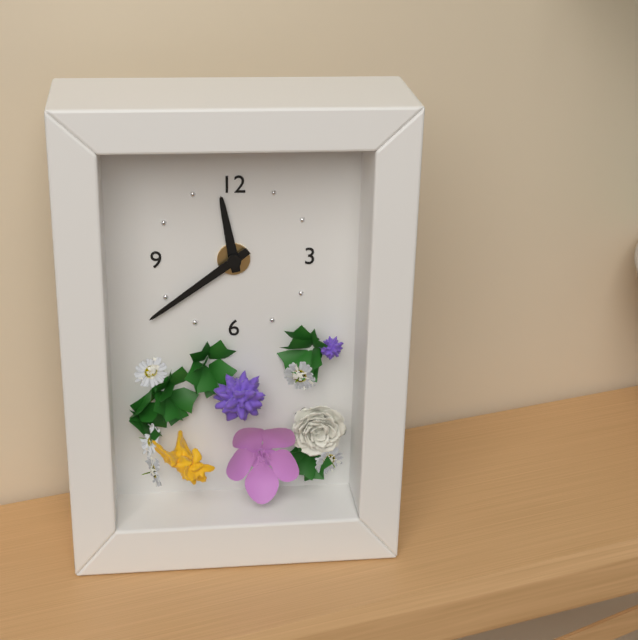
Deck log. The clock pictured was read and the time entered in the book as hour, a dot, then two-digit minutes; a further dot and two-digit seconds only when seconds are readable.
11.39
